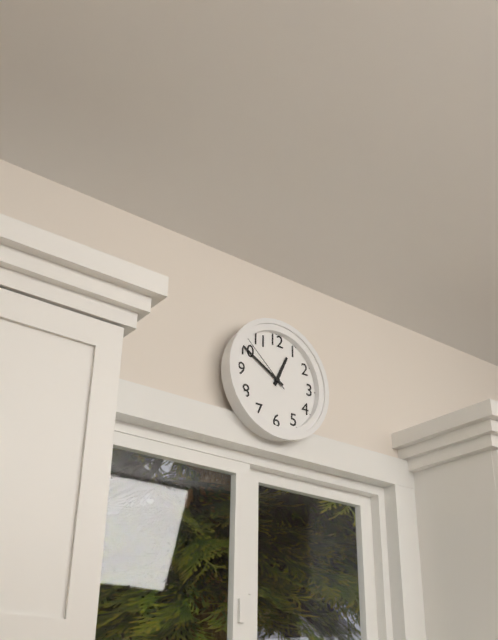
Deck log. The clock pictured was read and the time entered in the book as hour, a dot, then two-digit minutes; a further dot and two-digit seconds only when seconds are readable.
12.50.52
